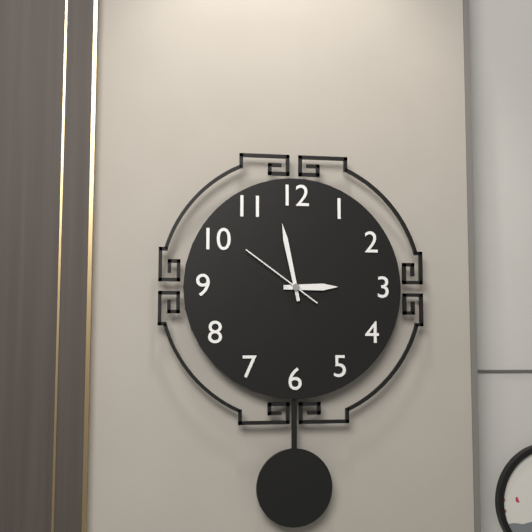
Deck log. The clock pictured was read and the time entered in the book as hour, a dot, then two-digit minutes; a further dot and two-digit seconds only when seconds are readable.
2.58.51
